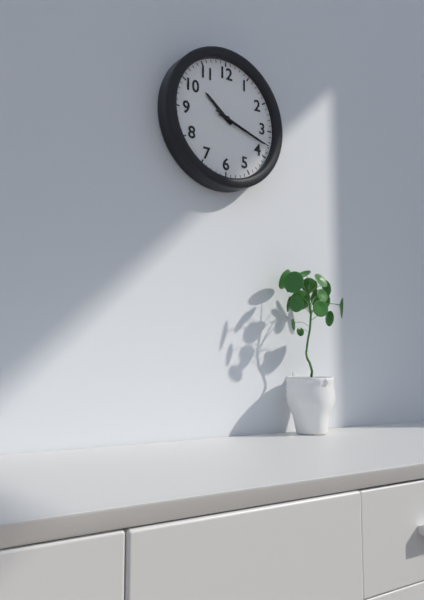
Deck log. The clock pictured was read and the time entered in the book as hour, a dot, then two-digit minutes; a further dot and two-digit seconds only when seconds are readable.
10.18.18
